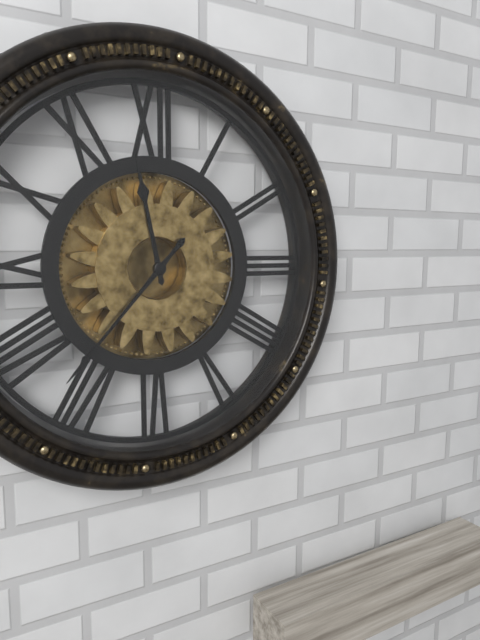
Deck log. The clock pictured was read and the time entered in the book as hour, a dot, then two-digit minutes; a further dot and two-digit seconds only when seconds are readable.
11.37
